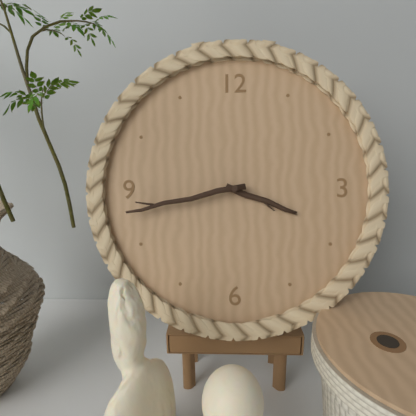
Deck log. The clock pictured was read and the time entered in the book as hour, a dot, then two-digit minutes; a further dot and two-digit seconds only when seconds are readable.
3.43
